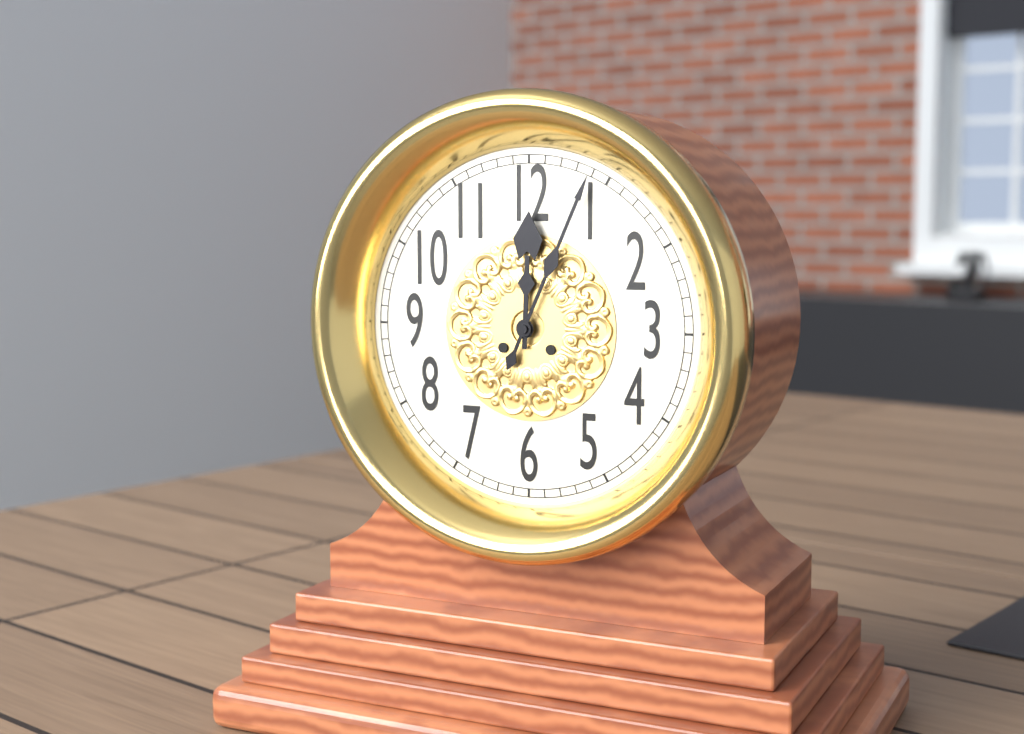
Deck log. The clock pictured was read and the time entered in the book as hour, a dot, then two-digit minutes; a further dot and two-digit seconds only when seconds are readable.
12.04
